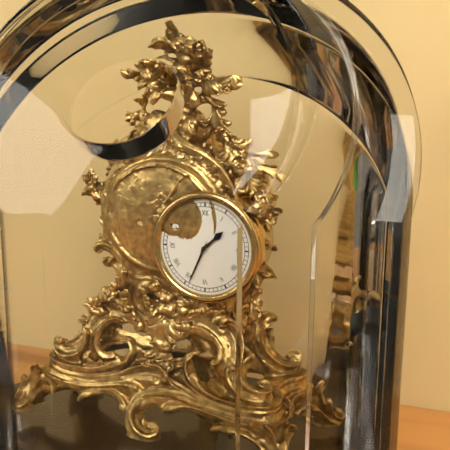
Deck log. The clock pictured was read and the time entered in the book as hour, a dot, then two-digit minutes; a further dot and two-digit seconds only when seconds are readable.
1.34
